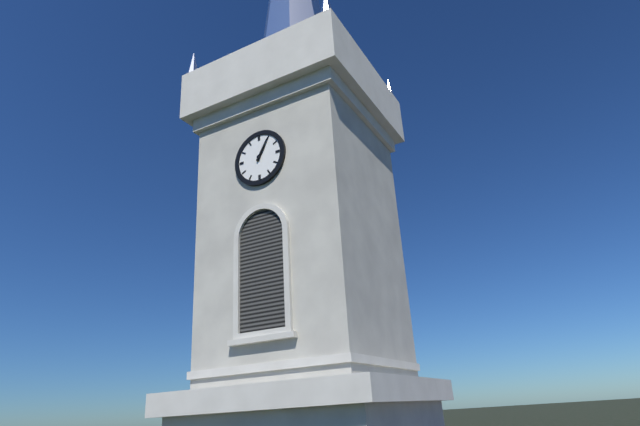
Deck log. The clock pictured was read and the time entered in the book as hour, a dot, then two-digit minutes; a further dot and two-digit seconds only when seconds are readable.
1.05
